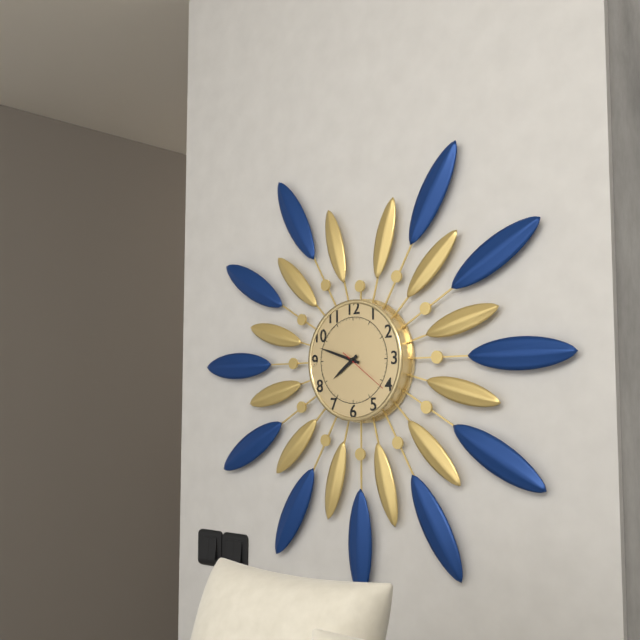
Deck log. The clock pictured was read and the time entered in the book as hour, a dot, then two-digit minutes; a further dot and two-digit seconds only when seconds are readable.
7.48.21
